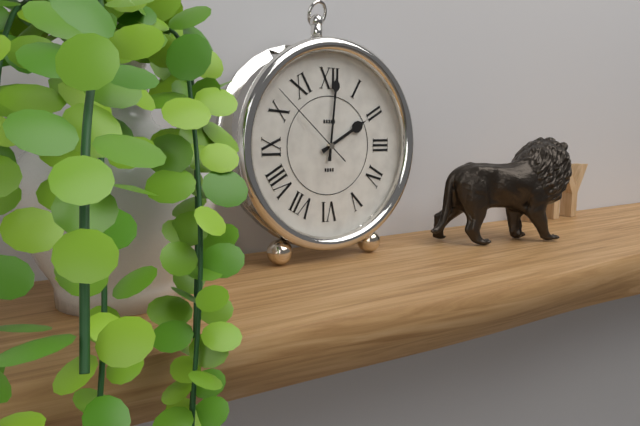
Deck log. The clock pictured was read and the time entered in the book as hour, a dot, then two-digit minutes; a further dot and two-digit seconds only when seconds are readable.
2.01.52
